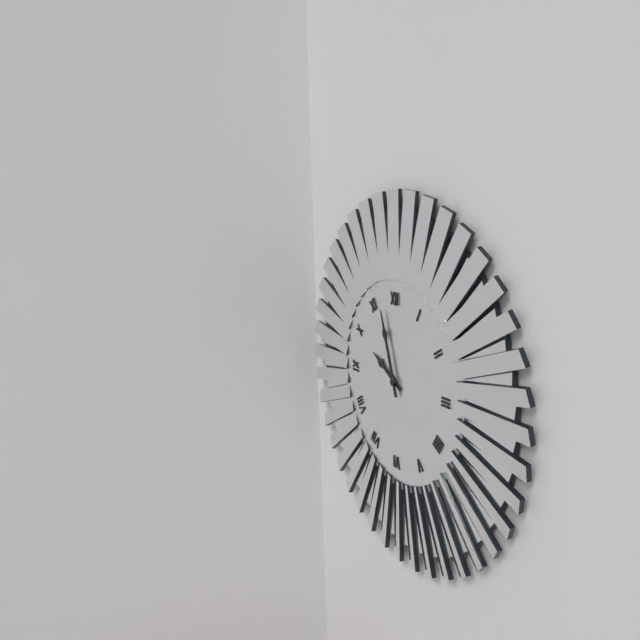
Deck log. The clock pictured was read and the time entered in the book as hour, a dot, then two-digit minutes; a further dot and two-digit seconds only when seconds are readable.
9.57
